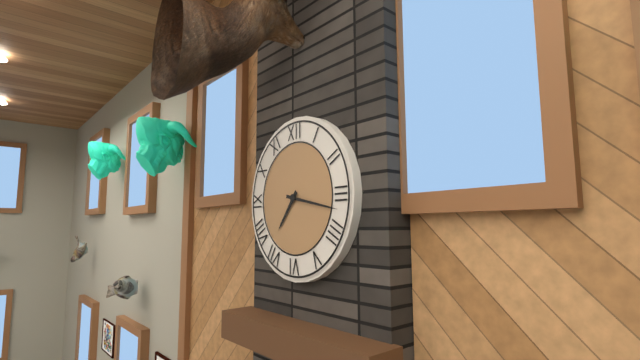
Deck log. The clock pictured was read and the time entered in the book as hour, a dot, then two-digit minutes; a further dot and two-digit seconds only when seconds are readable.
7.17
